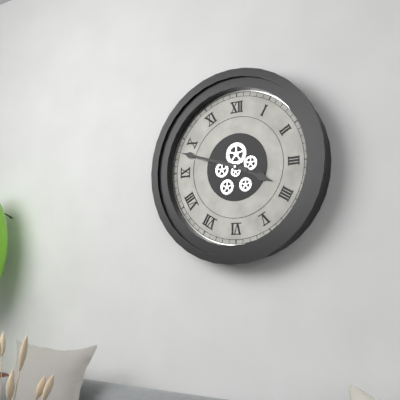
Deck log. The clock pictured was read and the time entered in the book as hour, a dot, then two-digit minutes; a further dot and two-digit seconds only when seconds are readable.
3.48
